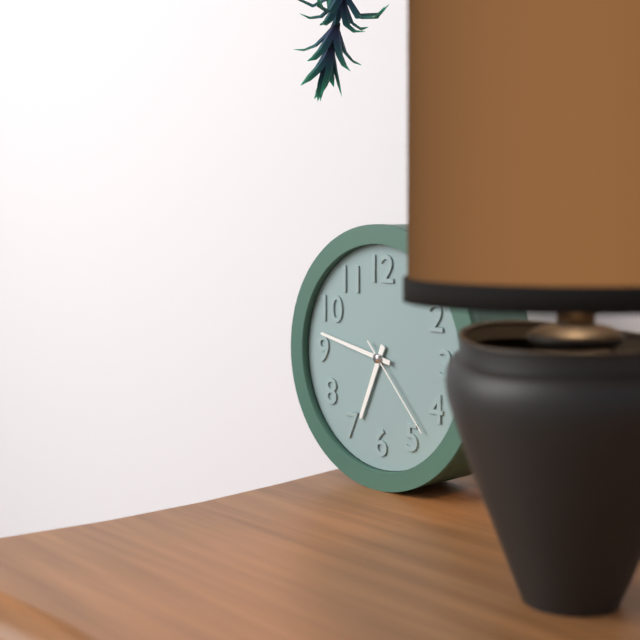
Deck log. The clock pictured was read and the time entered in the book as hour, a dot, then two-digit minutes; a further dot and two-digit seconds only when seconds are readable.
6.47.23
